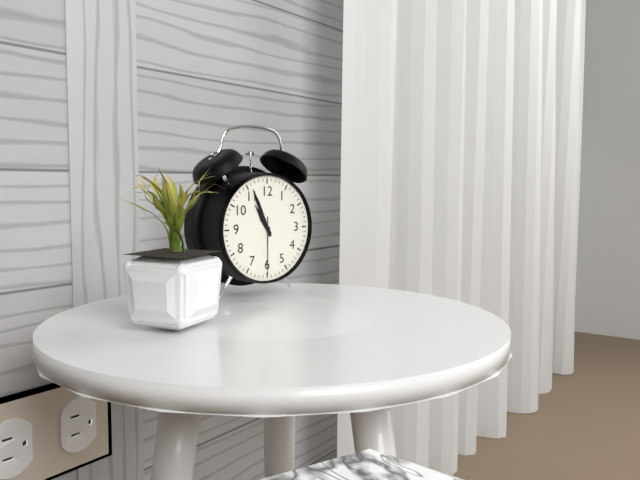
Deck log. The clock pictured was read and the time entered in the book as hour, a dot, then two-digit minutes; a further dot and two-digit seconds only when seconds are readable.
10.56.30
